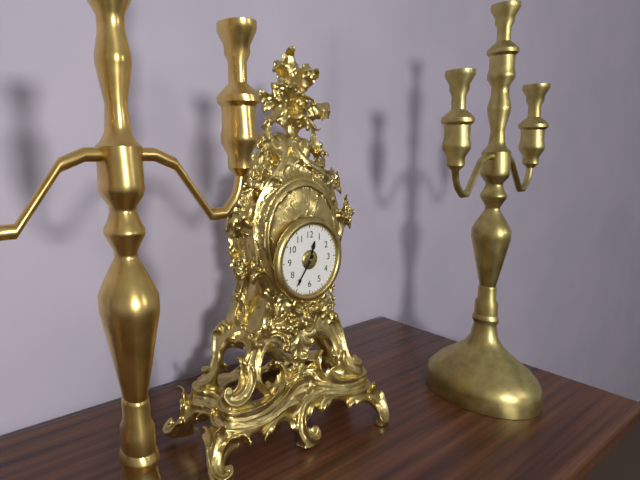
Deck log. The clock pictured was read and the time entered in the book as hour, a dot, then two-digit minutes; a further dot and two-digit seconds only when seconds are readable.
12.36
